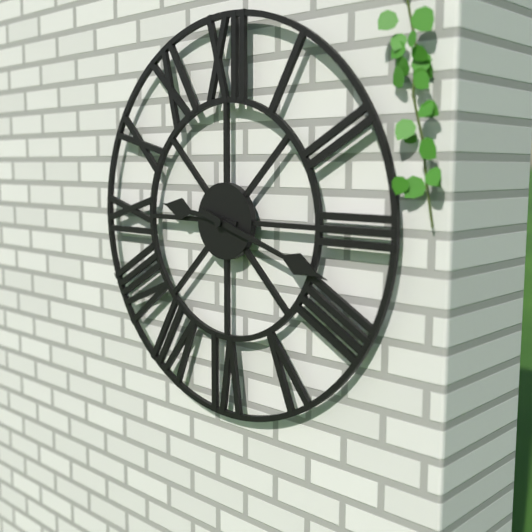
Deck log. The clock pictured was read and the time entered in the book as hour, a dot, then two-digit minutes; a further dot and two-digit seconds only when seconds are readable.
9.18
